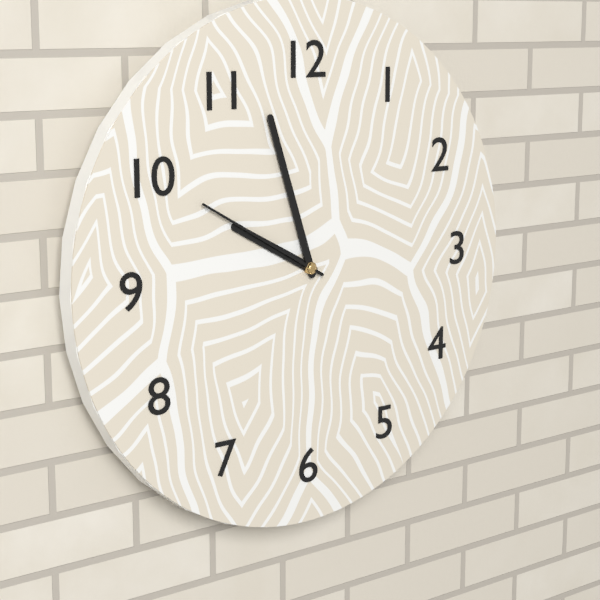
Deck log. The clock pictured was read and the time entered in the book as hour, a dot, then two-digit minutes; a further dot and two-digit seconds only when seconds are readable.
9.57.50
